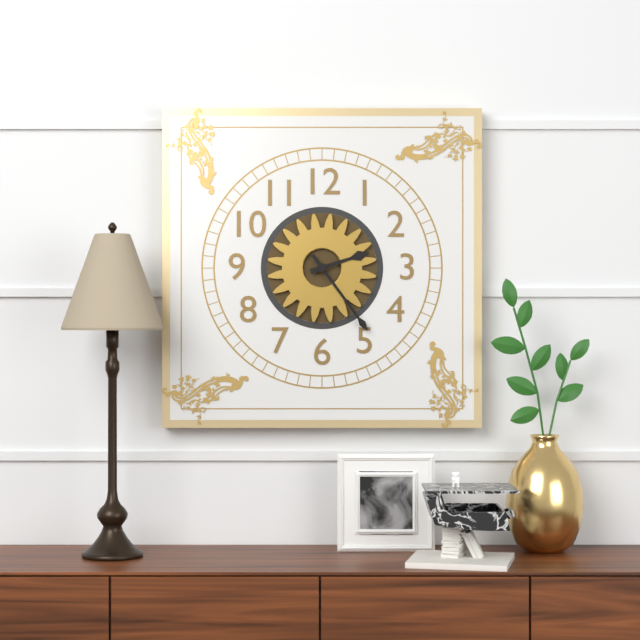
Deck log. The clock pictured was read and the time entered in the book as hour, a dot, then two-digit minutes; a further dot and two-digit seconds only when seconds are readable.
2.24
